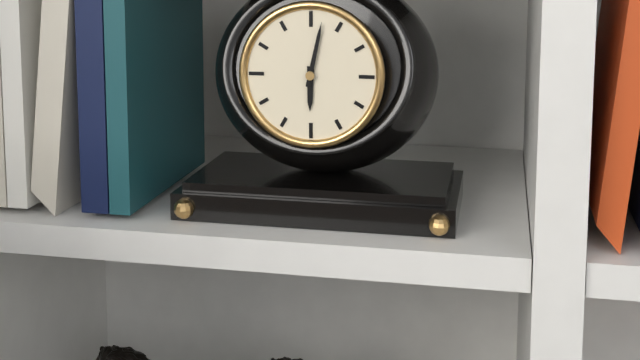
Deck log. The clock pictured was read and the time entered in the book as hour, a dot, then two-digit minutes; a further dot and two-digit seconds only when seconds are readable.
6.02
